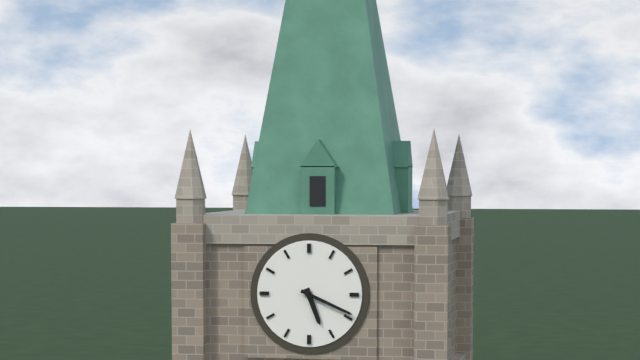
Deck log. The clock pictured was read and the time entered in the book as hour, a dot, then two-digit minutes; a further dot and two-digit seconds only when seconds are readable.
5.19
